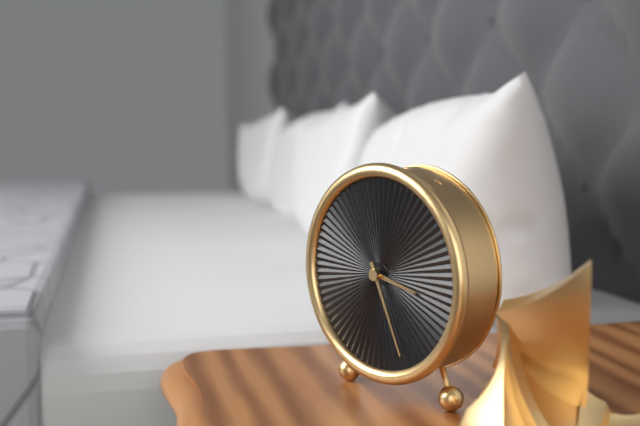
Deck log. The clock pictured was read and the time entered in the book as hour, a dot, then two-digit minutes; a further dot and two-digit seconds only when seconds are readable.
3.26
